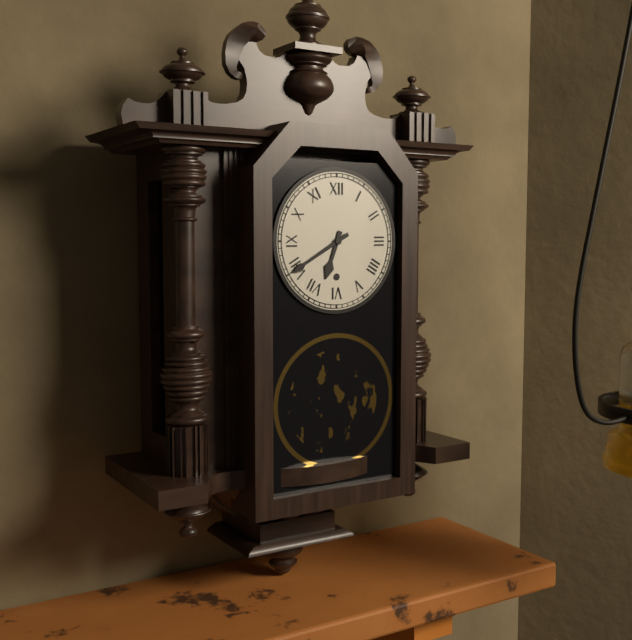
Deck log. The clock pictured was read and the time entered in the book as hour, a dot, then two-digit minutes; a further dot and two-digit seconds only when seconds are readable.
6.40
